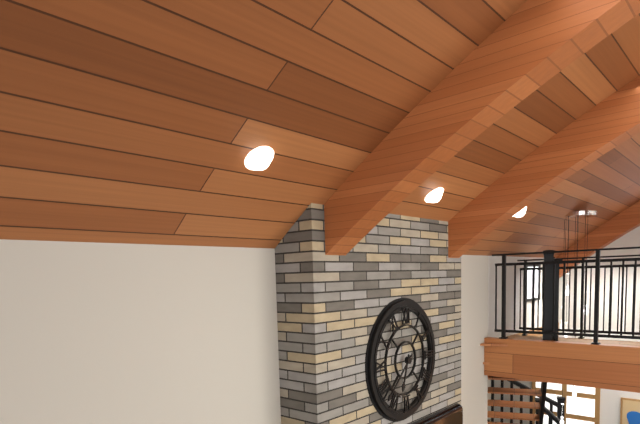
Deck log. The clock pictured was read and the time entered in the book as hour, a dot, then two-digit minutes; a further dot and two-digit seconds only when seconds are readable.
6.38
